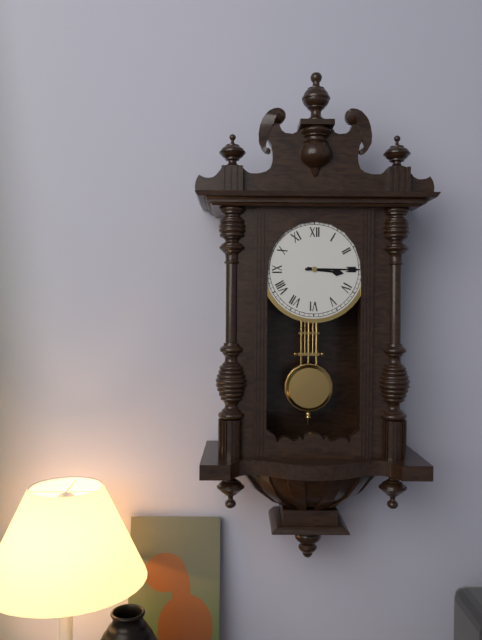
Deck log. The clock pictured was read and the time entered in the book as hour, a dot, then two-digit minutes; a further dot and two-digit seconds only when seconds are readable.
3.15
